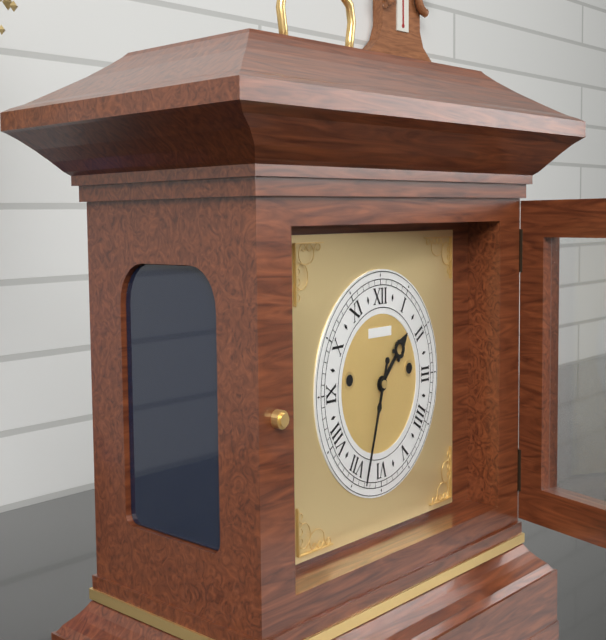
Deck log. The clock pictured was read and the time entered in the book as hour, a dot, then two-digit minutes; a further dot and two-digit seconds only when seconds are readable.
1.33
